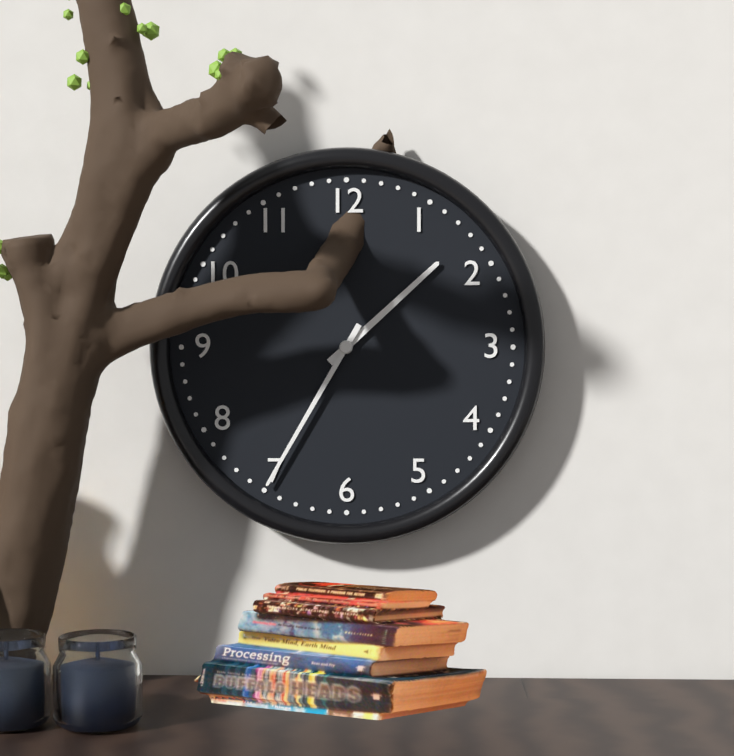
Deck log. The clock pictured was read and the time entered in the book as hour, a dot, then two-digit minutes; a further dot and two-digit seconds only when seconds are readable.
1.35
